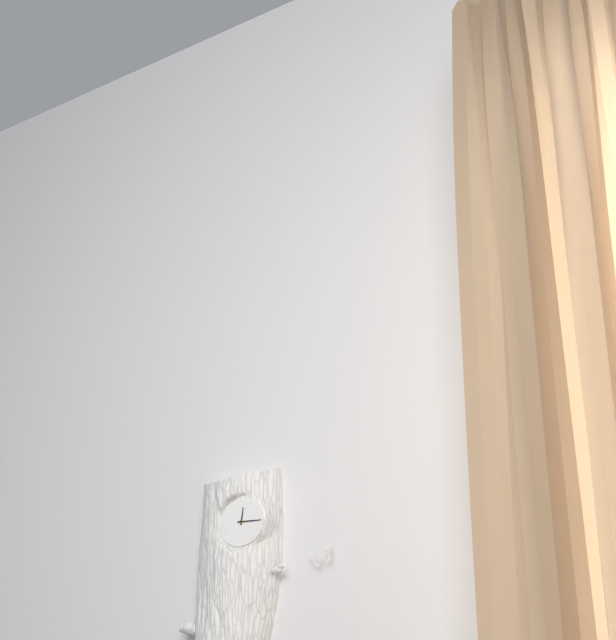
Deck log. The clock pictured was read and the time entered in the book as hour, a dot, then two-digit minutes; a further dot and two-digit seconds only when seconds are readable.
12.16
